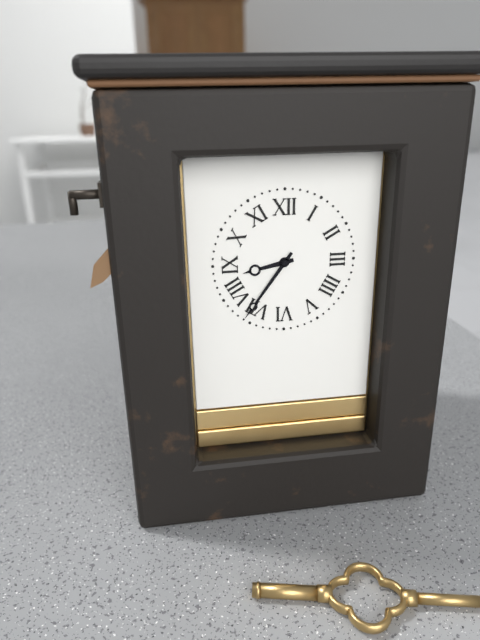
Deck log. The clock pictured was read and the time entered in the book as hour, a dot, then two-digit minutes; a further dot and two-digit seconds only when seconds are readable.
8.36
